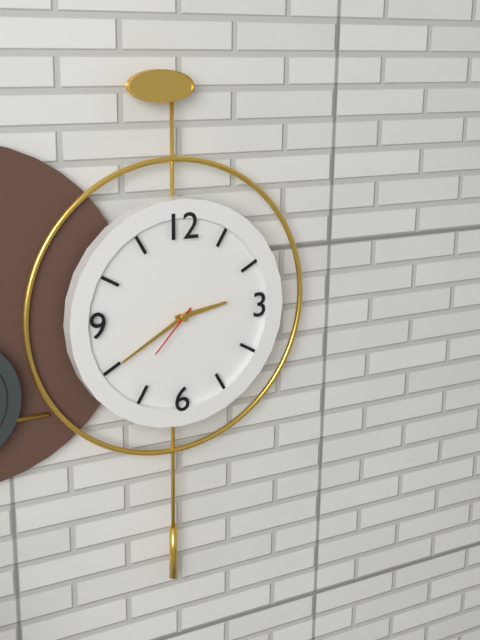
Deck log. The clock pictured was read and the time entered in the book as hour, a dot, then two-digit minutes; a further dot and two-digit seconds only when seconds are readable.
2.40.37
